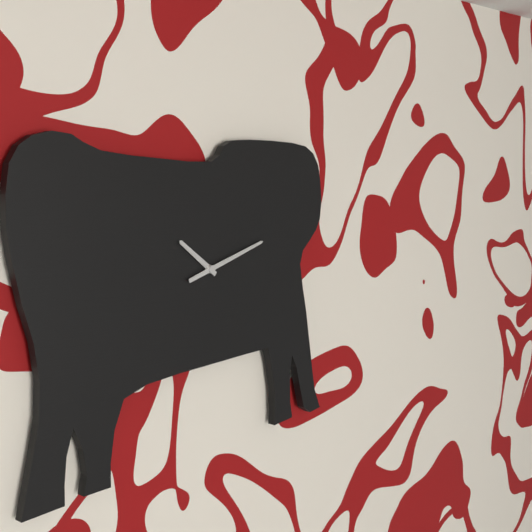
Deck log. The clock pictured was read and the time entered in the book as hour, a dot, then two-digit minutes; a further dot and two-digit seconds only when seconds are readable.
10.12
